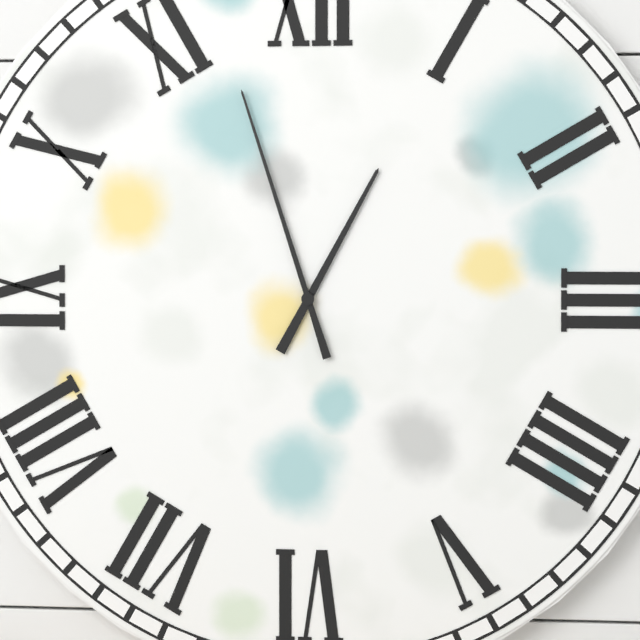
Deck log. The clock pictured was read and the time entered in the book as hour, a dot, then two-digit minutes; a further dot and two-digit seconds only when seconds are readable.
12.57
